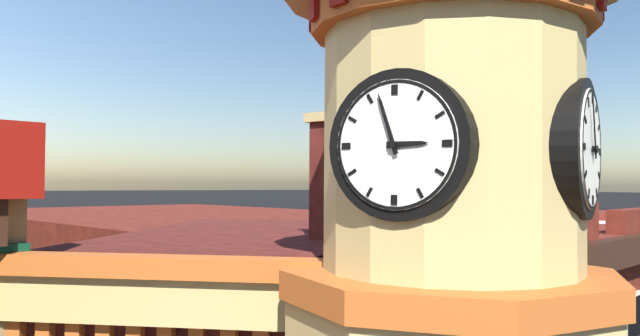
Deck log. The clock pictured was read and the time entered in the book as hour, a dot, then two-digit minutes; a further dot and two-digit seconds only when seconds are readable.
2.57
